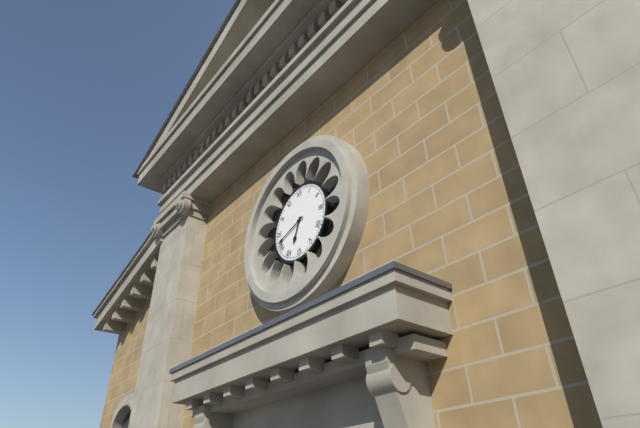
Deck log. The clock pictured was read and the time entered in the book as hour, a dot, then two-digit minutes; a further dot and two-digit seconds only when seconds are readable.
6.42
